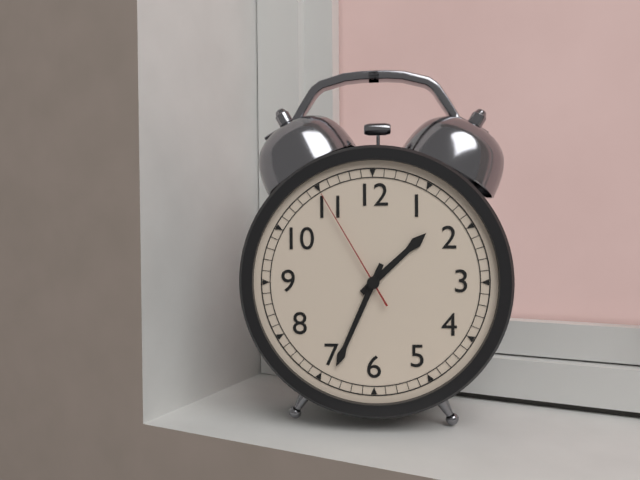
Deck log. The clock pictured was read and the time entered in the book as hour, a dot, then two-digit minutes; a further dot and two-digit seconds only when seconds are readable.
1.34.55
